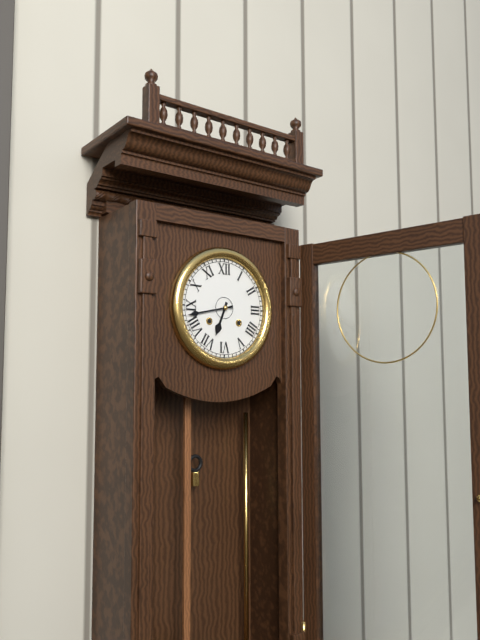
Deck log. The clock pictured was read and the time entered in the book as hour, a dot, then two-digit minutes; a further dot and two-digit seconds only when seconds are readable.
6.43
